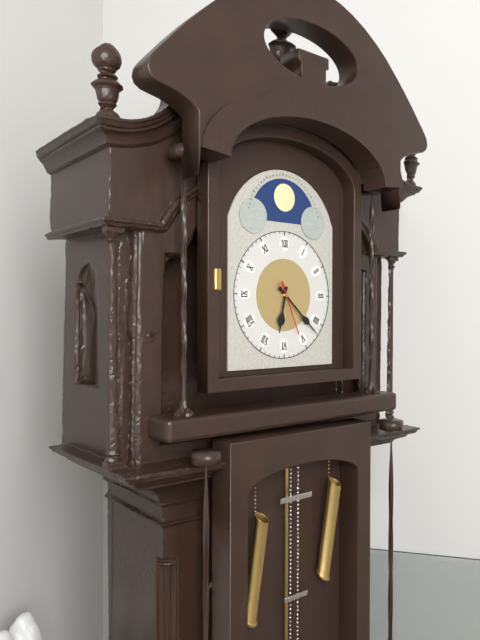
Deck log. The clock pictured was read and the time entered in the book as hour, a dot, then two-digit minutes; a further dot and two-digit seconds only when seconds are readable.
6.22.26
